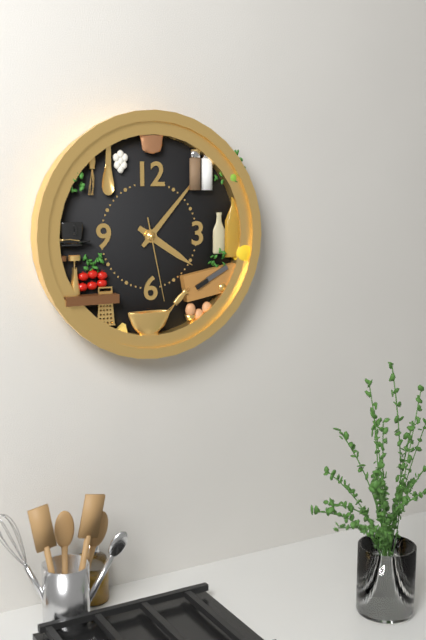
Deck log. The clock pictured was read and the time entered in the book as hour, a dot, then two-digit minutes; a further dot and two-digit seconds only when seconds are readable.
4.07.28
